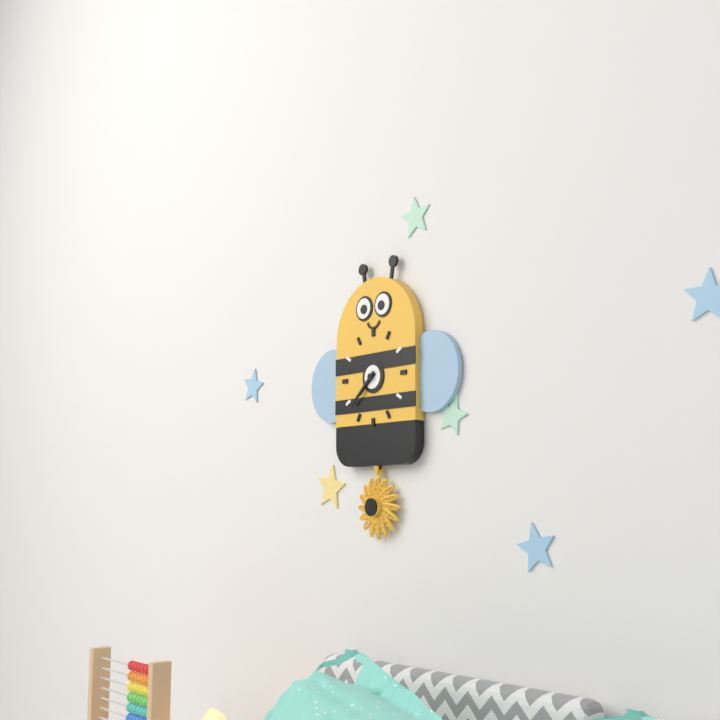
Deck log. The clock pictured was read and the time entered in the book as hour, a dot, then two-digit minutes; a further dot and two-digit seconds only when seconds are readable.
7.38
